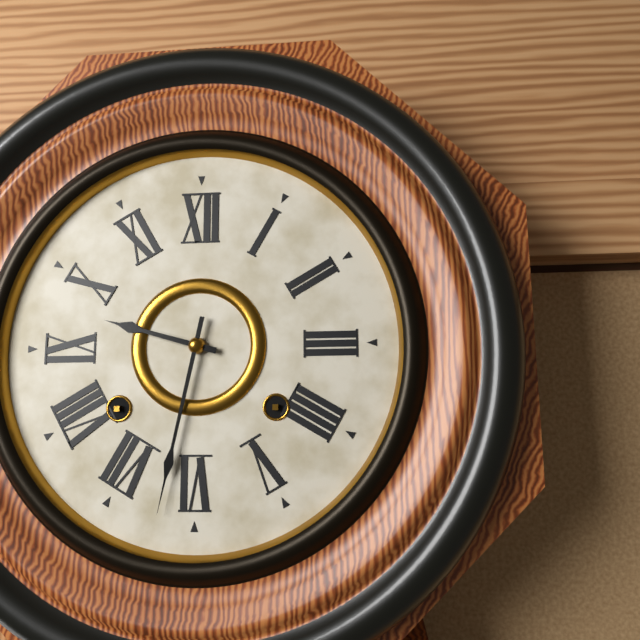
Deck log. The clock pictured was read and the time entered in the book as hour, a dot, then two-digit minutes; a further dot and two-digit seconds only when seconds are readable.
9.32
